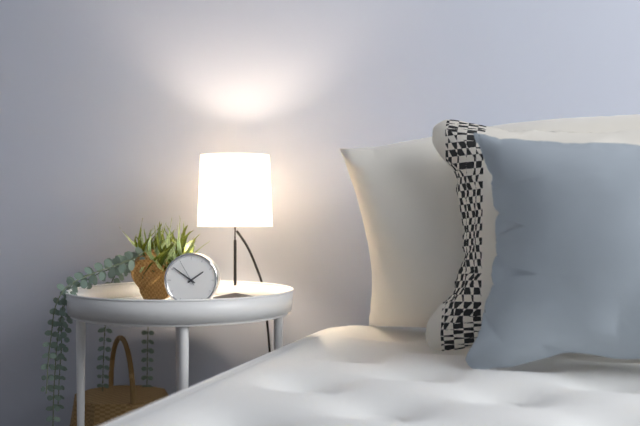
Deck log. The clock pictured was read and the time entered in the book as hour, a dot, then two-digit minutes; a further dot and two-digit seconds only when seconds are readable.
1.51
